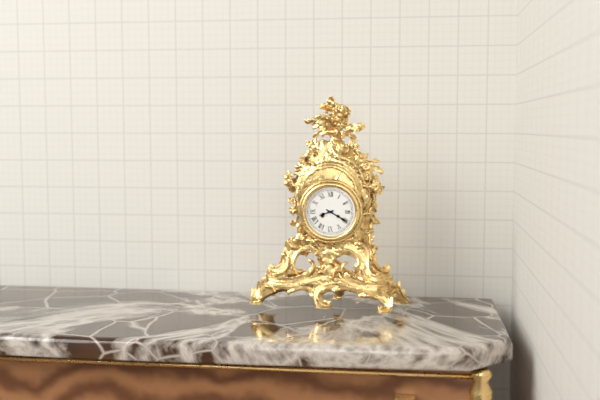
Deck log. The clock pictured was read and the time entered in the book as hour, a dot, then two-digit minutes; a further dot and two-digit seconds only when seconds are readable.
8.20
